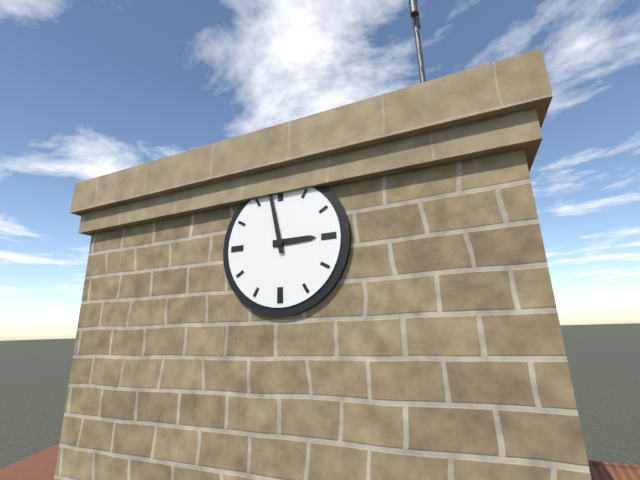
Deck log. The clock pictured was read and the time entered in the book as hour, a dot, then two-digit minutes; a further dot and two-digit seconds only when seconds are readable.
2.58
